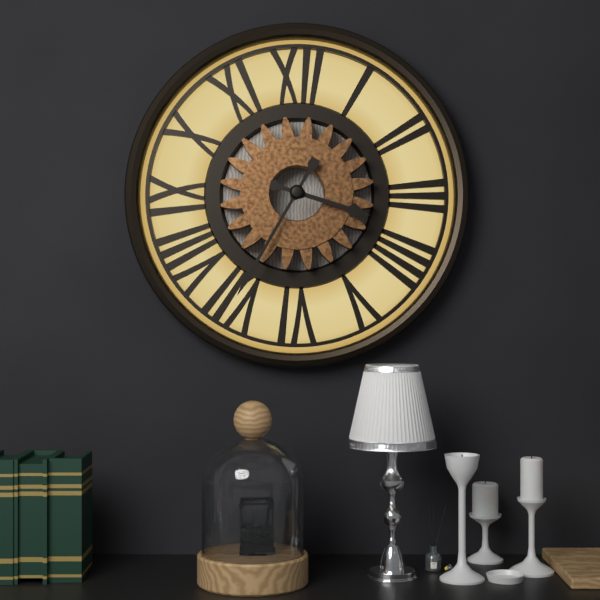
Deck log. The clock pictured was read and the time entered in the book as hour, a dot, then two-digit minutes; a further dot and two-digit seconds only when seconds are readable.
3.35
